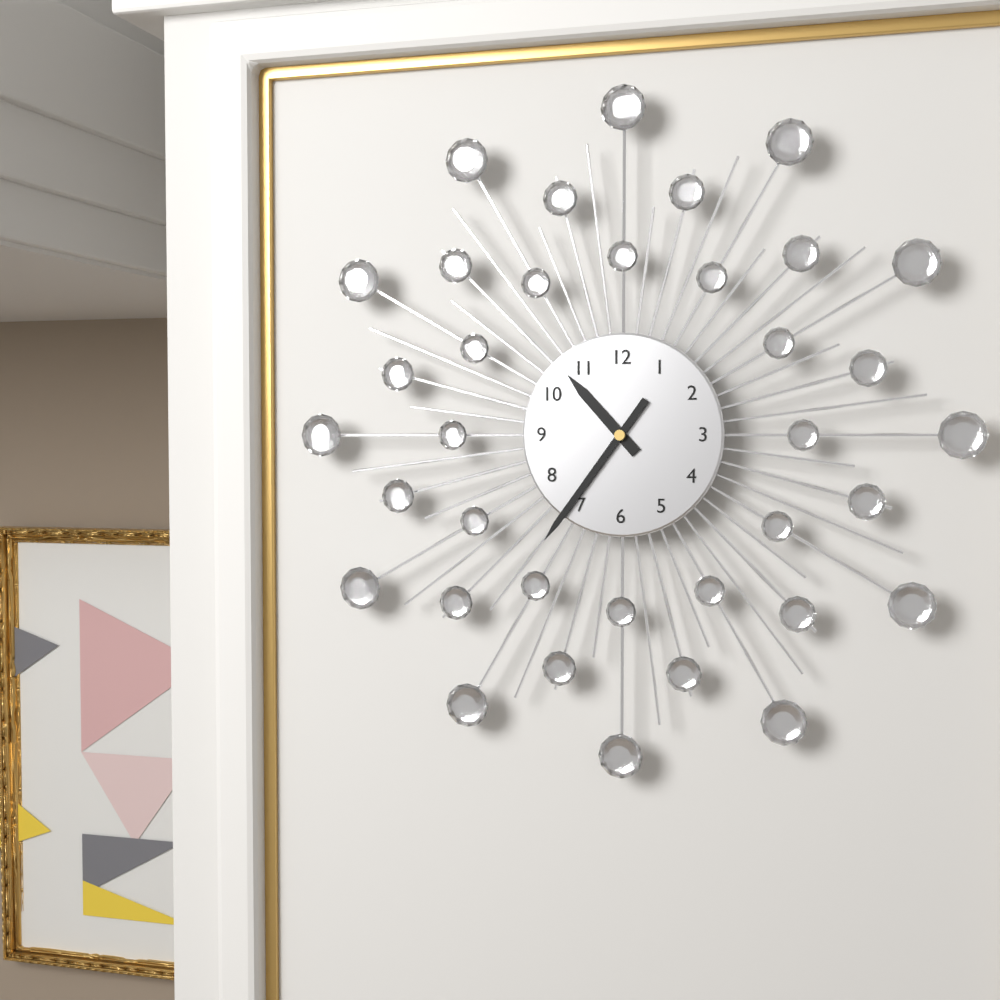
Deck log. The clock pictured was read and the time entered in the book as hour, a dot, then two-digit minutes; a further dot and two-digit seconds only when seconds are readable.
10.36
